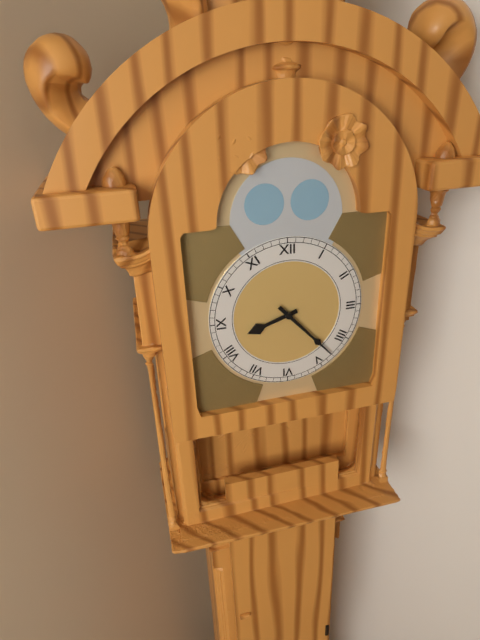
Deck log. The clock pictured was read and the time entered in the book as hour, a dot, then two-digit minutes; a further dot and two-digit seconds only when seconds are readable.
8.23
